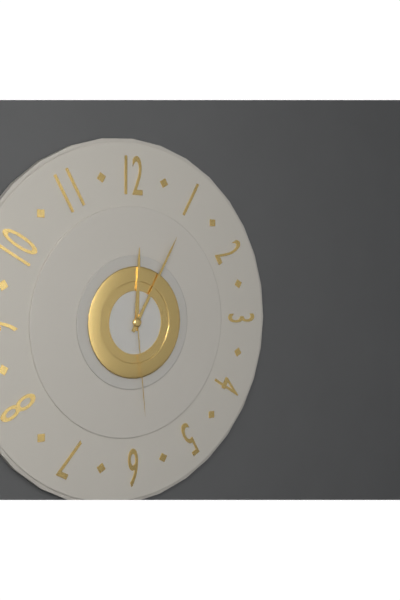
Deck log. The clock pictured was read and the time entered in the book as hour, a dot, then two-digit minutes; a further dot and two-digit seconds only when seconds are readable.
12.05.29
